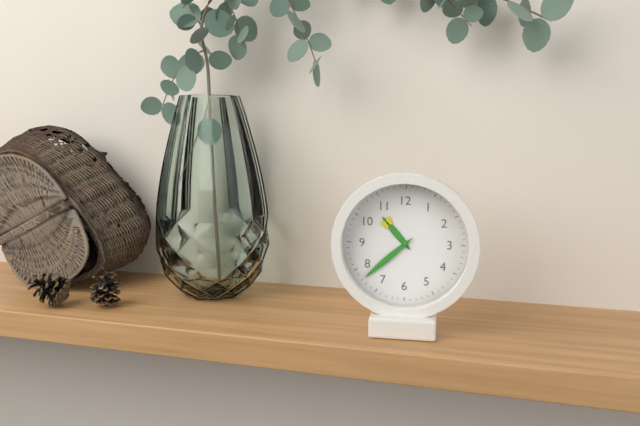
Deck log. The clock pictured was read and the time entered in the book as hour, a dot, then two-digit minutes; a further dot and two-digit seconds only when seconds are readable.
10.38
